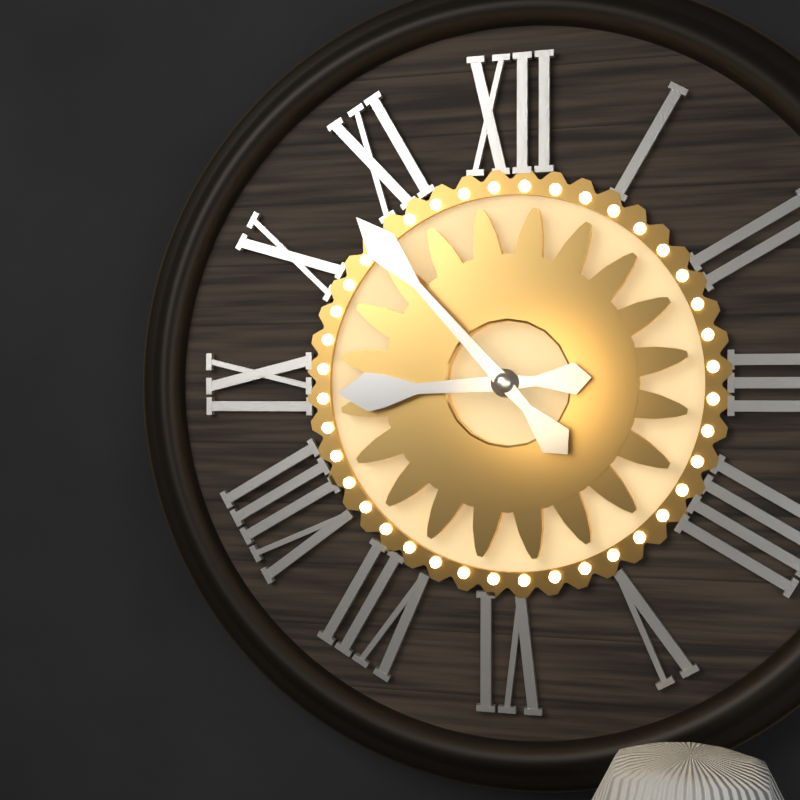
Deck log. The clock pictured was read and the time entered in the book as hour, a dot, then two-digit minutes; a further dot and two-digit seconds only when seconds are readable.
8.53
